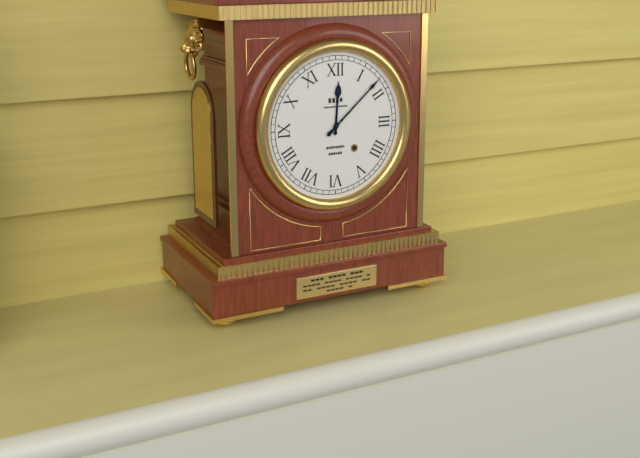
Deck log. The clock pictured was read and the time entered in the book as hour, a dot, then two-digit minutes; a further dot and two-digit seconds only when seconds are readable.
12.08
